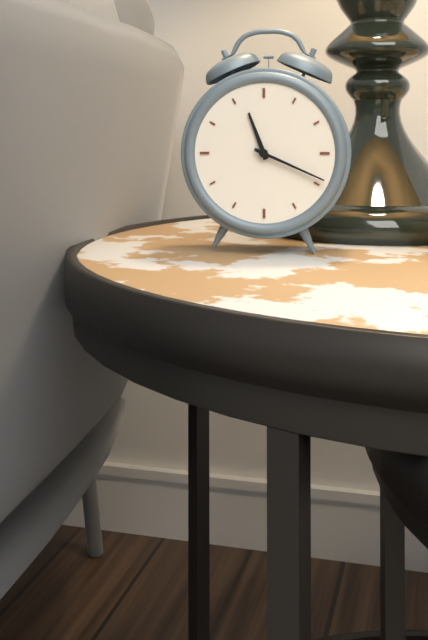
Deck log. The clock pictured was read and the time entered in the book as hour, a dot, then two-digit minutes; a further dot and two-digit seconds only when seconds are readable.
11.19
